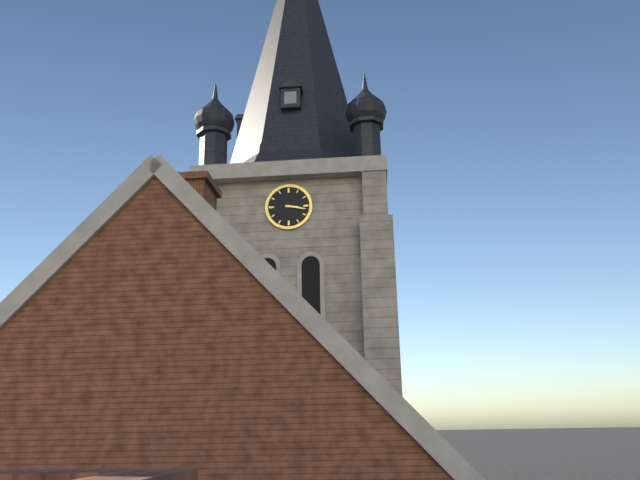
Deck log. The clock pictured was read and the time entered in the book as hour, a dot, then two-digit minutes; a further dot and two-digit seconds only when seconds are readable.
3.17
